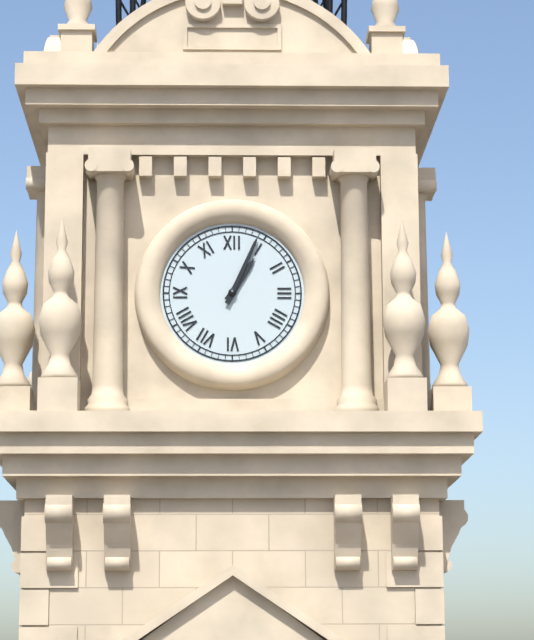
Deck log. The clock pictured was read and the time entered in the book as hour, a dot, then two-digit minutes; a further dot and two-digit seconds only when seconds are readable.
1.04
